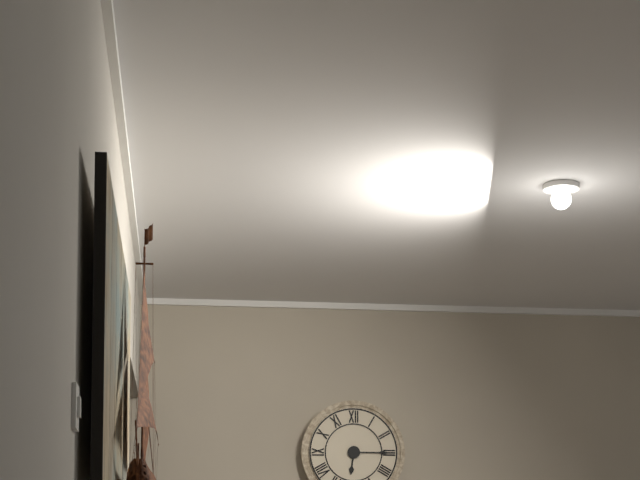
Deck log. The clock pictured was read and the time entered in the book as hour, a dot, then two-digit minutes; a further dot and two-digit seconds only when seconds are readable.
6.15
